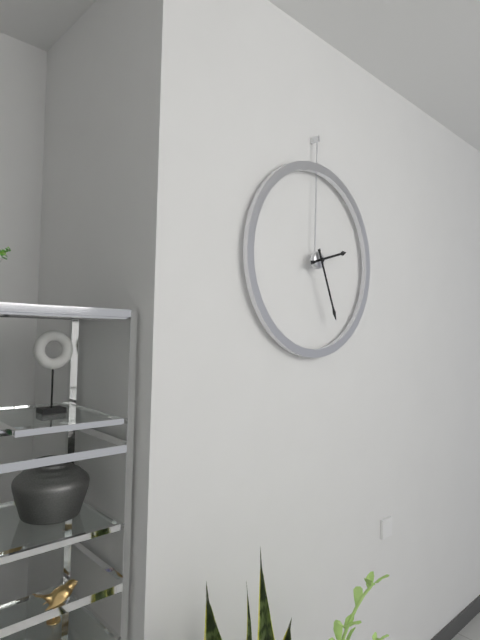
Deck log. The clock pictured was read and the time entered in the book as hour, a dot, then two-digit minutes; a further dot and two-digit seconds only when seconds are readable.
2.26
